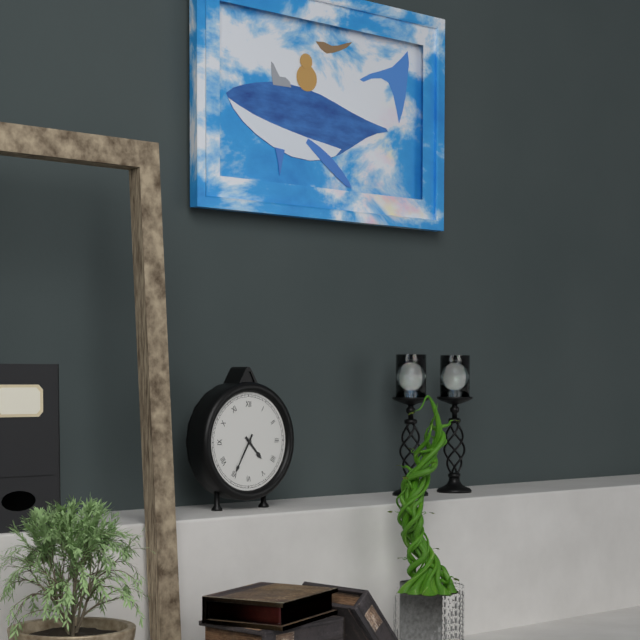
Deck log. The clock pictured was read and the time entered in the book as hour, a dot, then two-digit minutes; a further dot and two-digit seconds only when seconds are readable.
4.35
